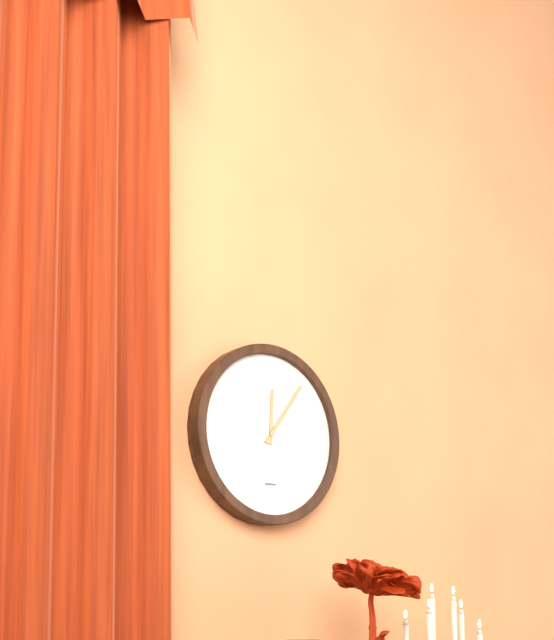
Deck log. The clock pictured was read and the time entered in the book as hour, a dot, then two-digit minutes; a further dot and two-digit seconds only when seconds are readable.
12.06
